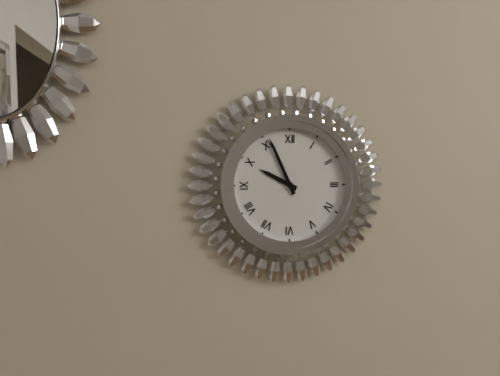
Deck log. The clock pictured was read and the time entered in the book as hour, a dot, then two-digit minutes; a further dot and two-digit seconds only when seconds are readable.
9.56
